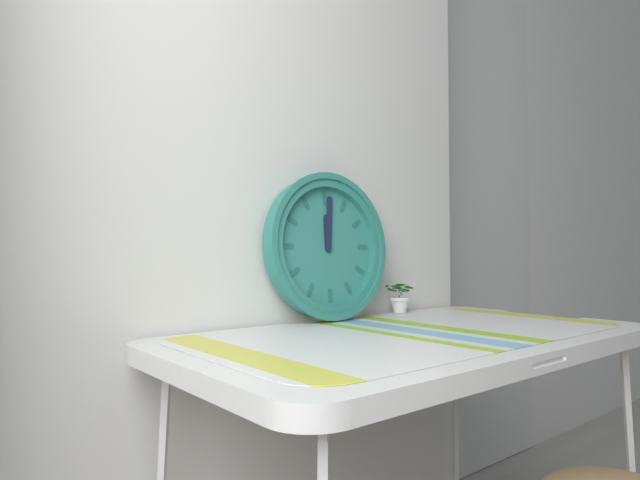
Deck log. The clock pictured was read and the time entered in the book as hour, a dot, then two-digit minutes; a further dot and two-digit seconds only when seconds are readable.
12.01
